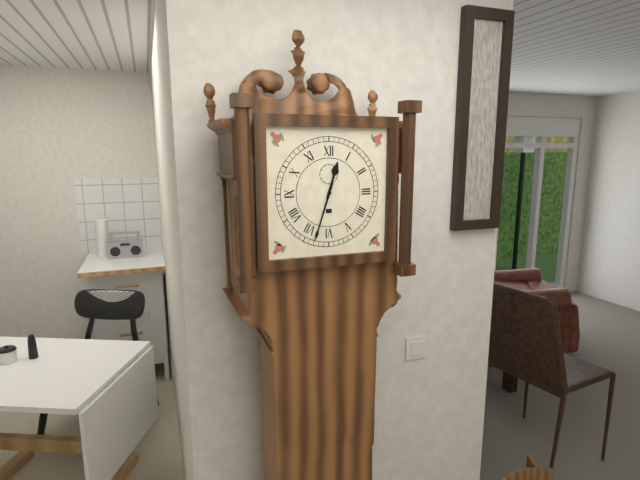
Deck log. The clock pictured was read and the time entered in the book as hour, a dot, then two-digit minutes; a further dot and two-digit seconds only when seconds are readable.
12.33
